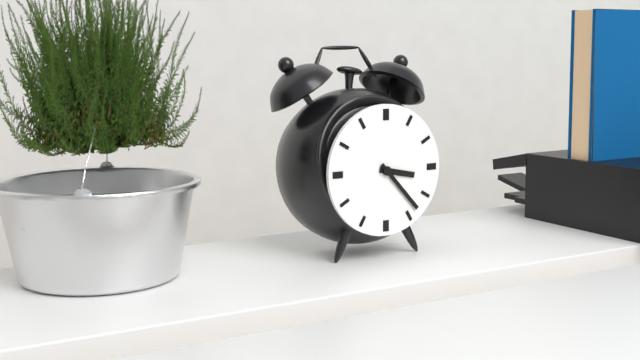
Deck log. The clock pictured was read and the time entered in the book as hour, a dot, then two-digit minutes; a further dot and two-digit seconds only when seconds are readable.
3.23
